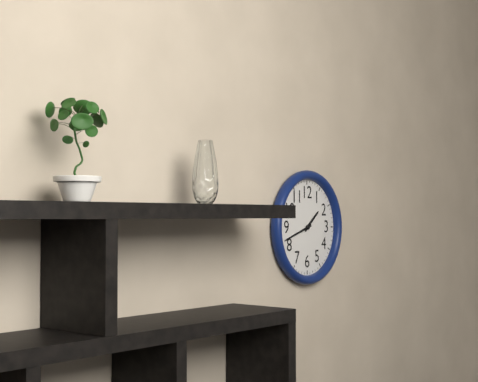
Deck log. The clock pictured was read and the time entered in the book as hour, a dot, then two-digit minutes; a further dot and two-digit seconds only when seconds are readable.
1.42
